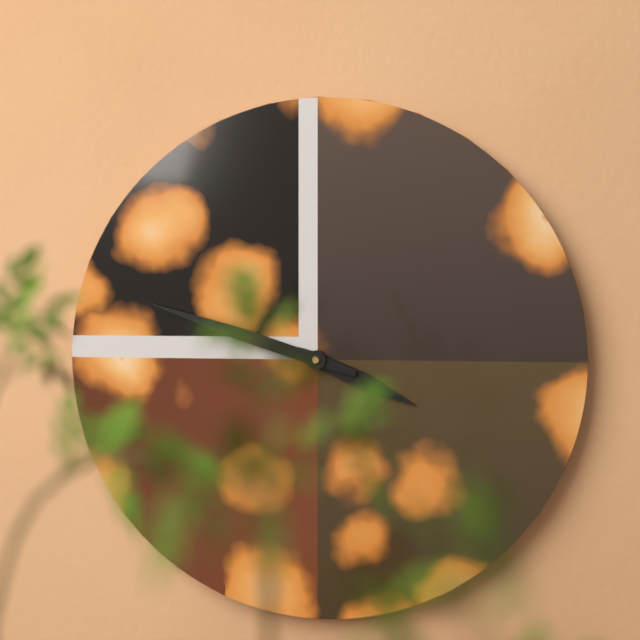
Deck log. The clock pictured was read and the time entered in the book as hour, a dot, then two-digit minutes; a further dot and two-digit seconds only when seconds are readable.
3.48
